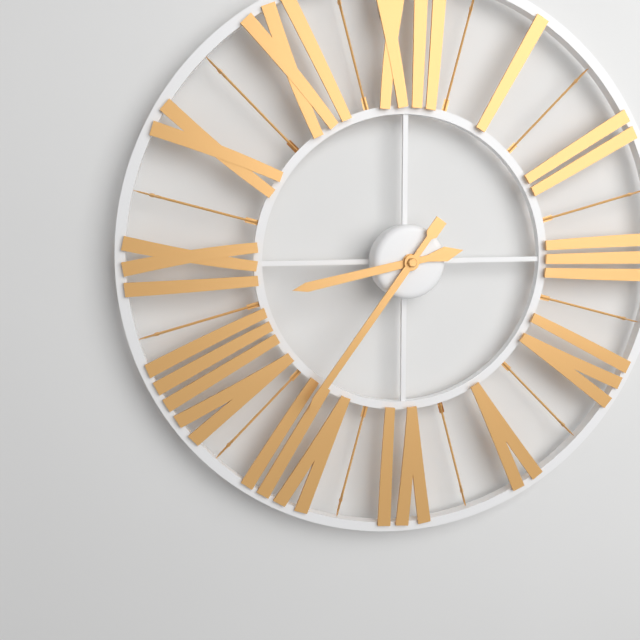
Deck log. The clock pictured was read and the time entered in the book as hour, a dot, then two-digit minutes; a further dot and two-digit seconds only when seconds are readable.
8.36
